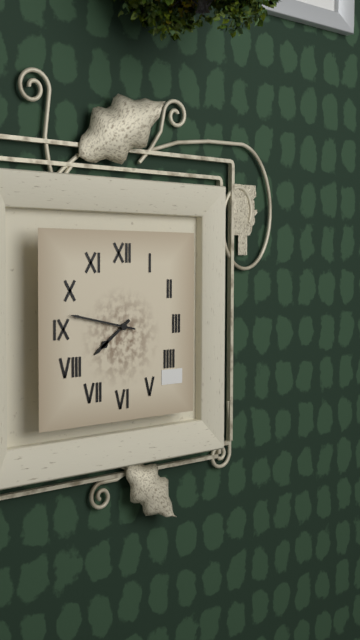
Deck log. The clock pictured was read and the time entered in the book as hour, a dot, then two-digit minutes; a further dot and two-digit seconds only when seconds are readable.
7.47
